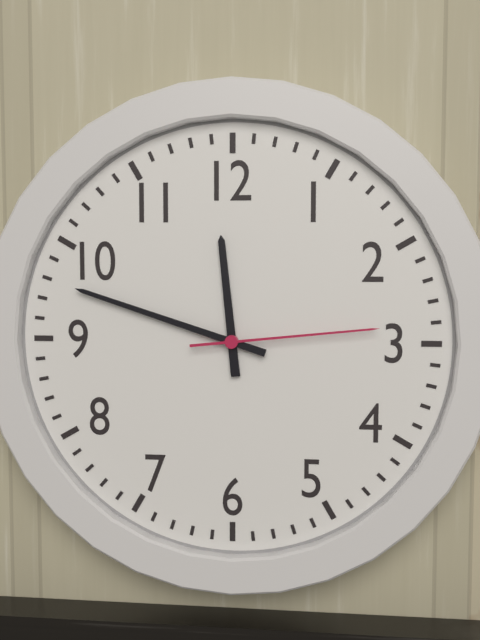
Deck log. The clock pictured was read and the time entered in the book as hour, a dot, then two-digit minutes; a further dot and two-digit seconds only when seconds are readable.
11.48.14
